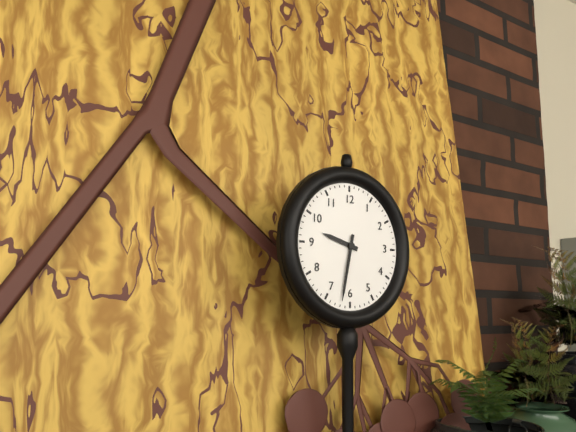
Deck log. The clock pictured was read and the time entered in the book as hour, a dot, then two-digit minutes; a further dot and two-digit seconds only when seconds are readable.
9.32
